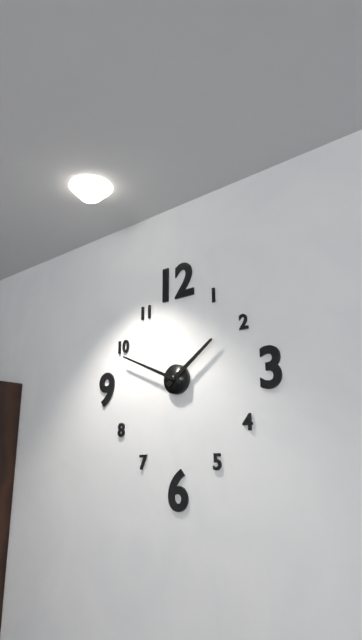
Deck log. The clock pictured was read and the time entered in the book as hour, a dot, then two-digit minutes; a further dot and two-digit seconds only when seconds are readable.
1.49
